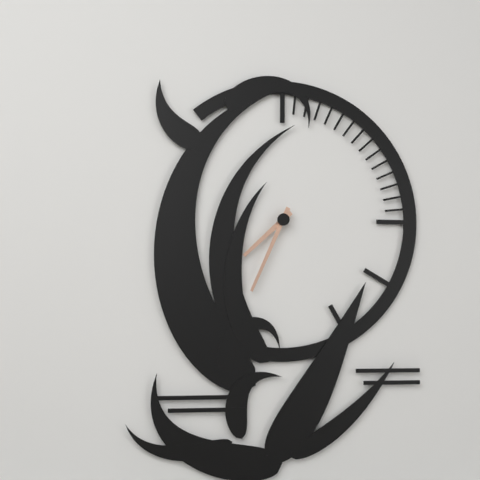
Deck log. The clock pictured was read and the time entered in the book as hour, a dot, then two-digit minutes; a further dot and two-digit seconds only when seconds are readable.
7.34
